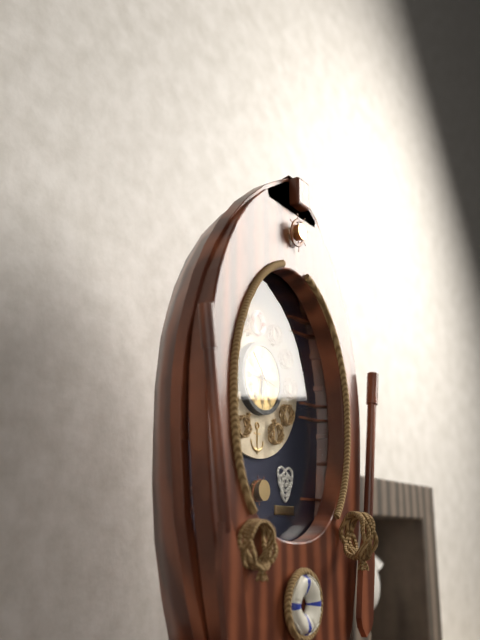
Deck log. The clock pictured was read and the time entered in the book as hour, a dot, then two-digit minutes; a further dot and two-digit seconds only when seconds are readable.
6.17
